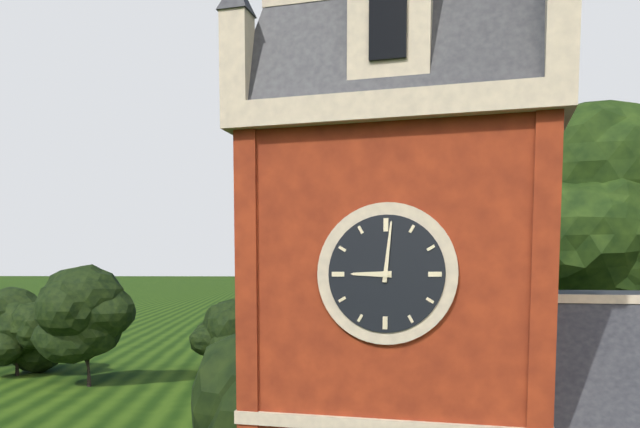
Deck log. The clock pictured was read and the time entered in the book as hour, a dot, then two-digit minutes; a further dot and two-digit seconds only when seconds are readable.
9.01
